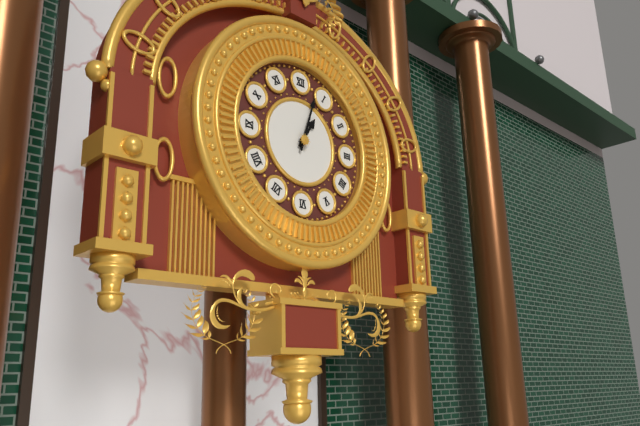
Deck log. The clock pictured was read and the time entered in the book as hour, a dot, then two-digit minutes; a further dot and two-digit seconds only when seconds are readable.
1.03
